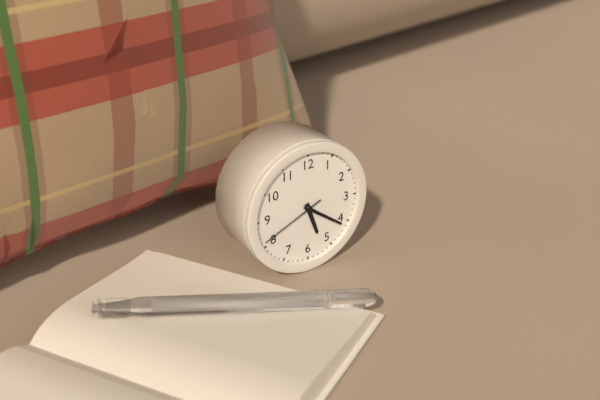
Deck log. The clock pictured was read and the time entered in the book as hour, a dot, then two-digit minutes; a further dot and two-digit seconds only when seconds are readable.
5.21.41
